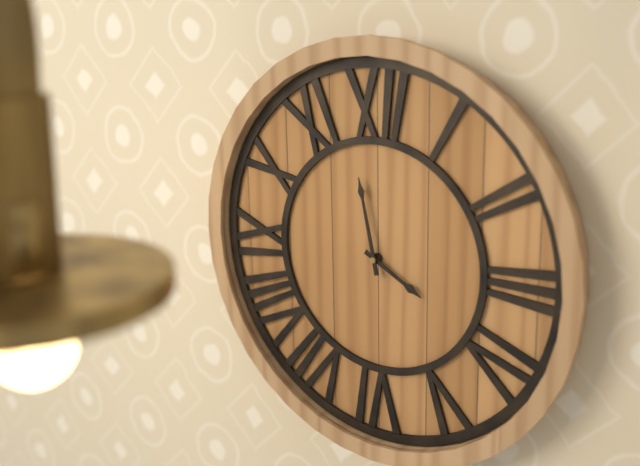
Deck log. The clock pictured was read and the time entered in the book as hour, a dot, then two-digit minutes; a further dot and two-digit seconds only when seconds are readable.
3.58
